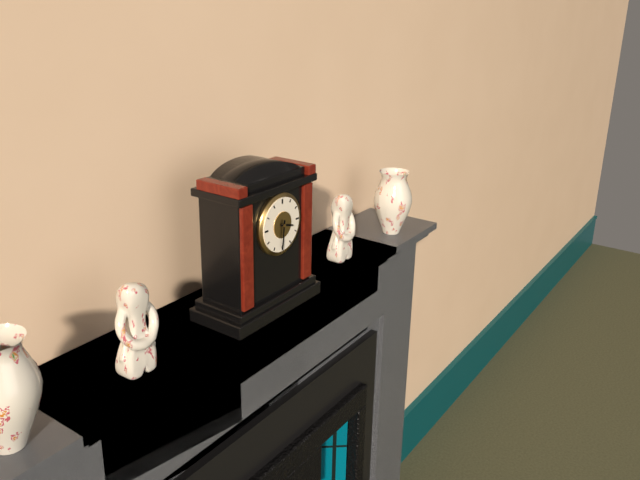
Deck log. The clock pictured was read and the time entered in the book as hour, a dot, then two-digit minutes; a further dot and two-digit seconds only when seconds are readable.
3.31
